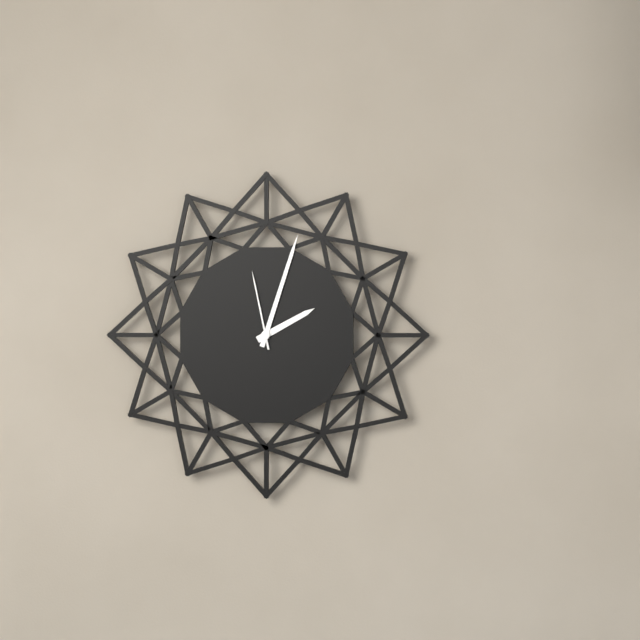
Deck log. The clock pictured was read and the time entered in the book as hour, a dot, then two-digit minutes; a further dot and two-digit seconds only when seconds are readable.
2.03.58
